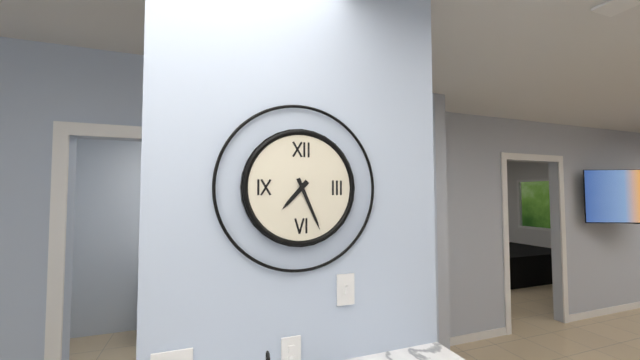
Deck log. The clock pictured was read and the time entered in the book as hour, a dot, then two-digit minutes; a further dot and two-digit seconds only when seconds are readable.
7.26
